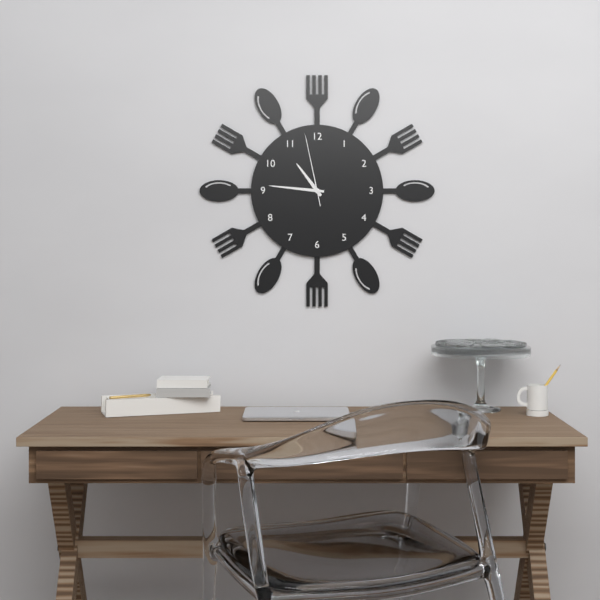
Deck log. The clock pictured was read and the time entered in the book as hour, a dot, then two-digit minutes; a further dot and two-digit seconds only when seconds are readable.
10.46.58
